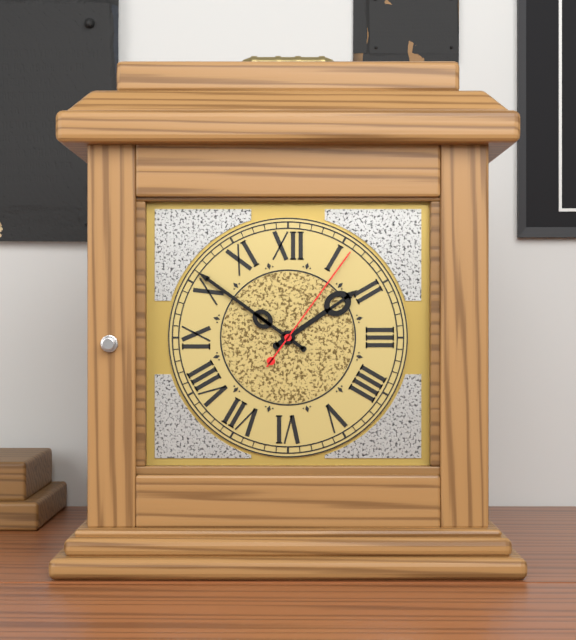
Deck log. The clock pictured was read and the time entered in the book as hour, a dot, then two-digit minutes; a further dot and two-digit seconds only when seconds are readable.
1.51.06
